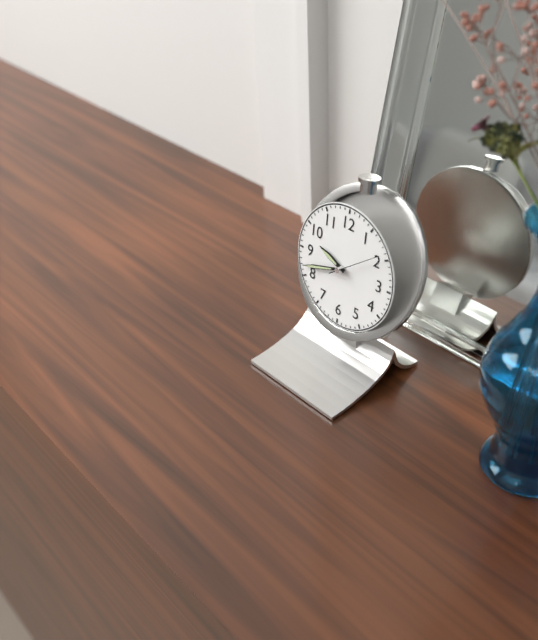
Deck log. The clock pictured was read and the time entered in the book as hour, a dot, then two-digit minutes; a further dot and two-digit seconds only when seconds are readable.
9.42
